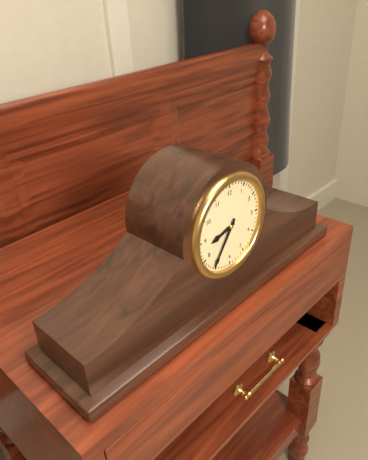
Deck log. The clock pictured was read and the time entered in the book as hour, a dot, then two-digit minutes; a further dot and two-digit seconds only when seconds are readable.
8.36
